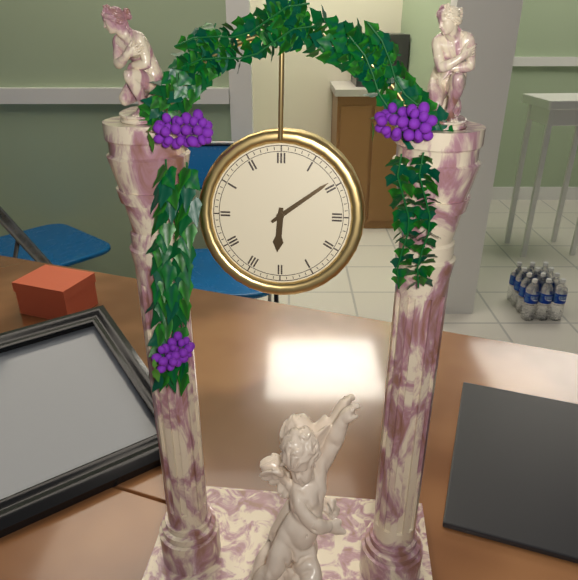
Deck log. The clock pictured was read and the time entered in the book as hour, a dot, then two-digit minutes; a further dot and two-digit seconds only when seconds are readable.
6.09
